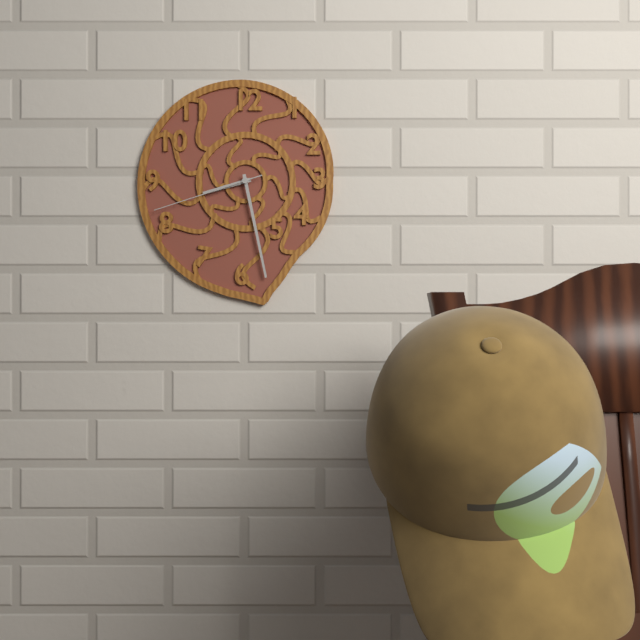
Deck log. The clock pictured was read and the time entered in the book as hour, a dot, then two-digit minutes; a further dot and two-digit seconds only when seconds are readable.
8.28.42
